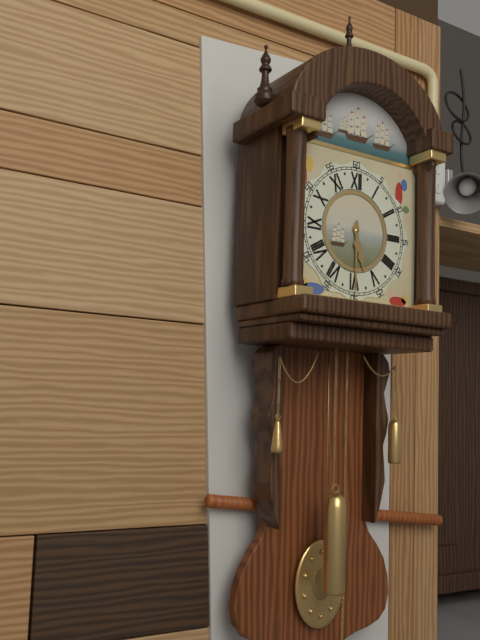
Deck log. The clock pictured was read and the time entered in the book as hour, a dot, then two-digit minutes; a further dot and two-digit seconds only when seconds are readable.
5.30
